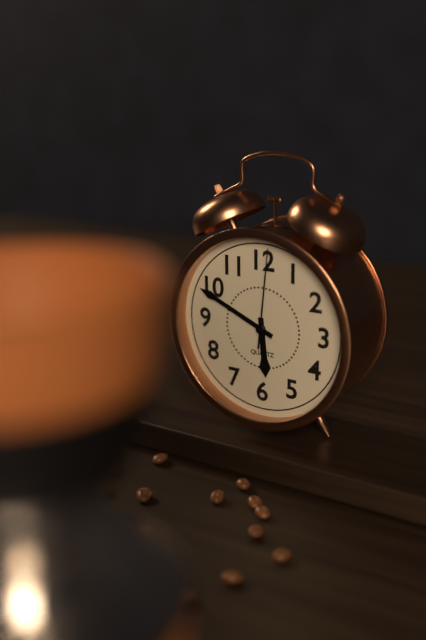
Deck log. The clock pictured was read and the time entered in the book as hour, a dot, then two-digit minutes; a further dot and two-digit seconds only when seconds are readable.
5.49.01
